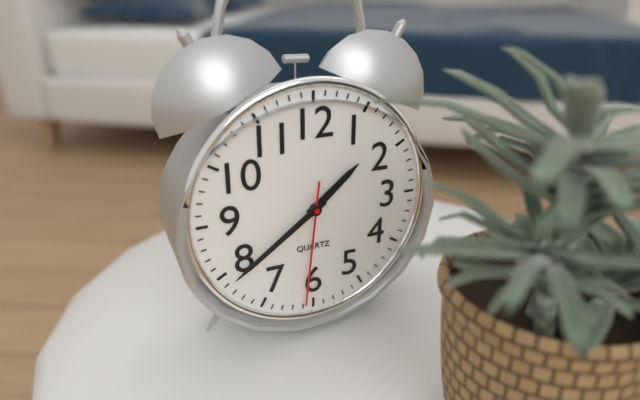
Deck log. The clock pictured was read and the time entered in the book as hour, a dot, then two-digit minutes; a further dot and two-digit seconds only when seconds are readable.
1.39.31
